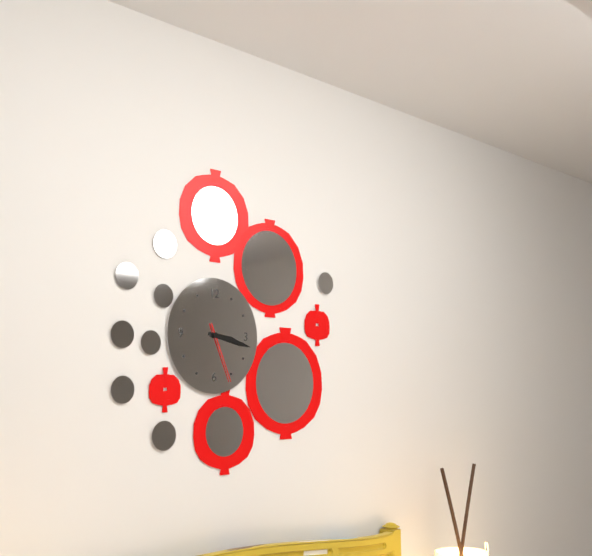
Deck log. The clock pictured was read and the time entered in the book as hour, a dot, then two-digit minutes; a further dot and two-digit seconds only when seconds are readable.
3.17.26
